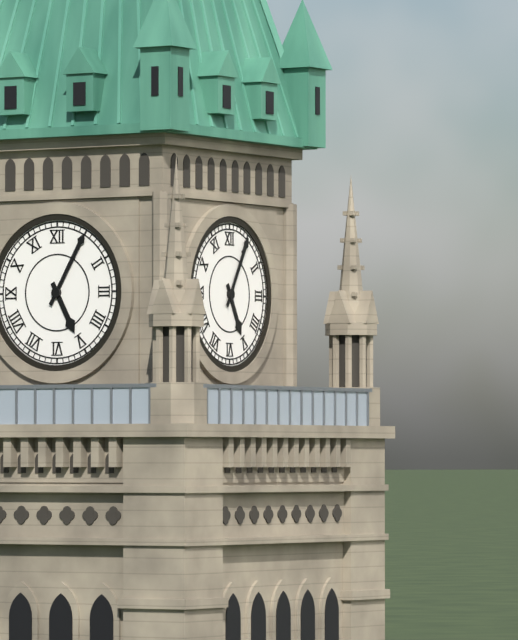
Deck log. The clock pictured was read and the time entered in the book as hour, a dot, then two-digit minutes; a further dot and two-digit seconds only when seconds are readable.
5.05
